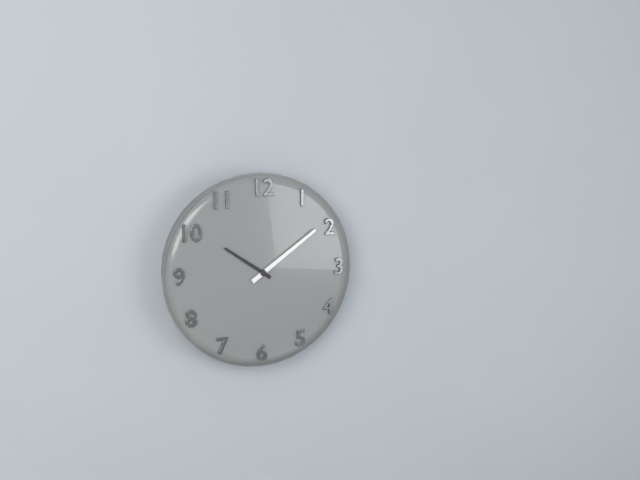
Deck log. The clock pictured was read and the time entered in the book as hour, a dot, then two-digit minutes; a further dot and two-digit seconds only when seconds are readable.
10.09
